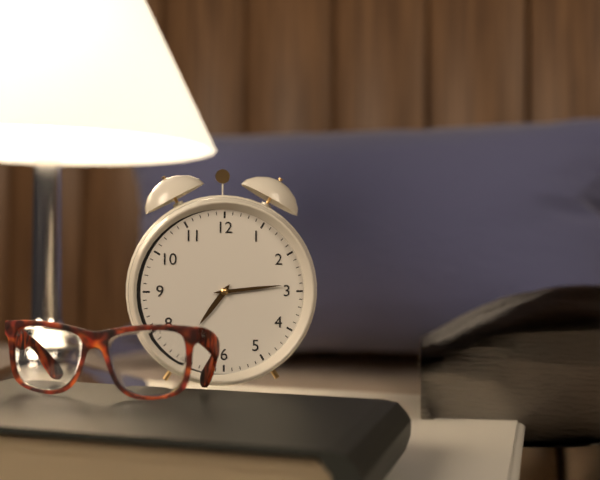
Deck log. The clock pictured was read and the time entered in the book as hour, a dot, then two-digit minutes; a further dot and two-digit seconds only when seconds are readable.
7.14
